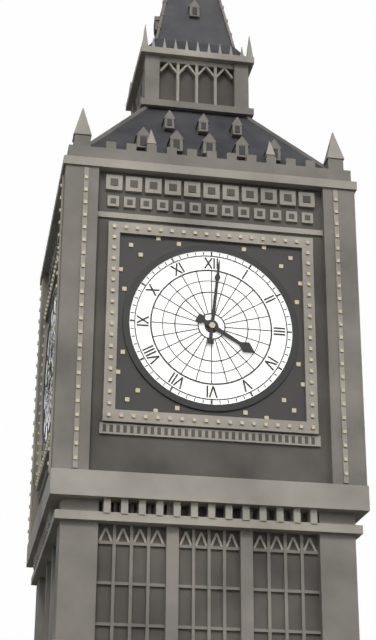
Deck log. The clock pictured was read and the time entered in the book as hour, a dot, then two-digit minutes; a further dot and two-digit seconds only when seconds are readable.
4.01
